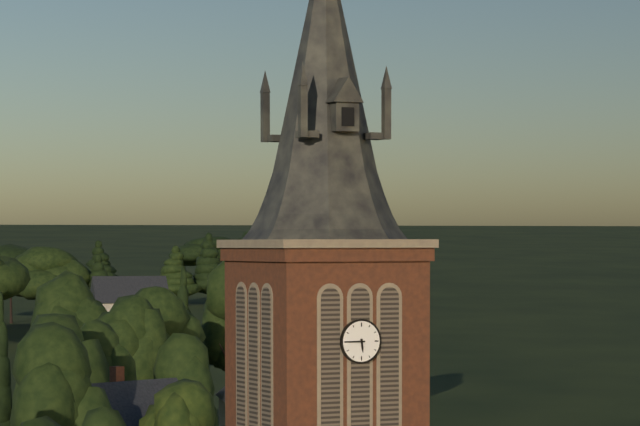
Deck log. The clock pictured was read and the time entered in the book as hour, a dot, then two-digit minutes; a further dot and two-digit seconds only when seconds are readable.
5.45
